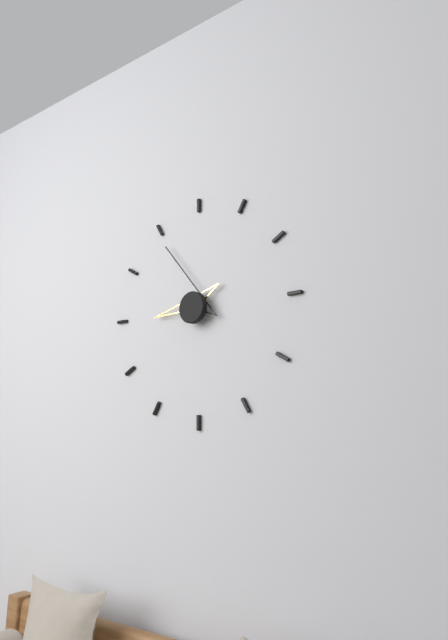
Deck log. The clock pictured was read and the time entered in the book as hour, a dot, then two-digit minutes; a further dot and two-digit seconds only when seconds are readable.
8.55
